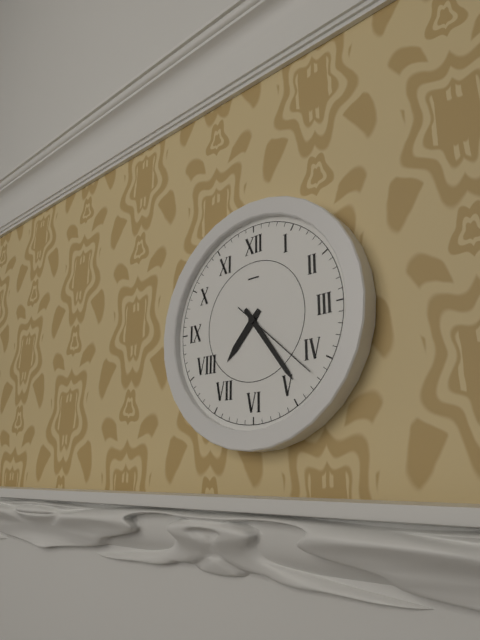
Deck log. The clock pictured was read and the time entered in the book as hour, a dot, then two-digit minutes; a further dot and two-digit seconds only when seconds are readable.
7.24.22
